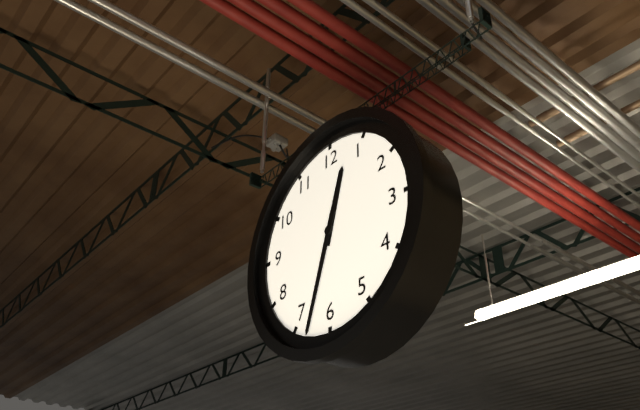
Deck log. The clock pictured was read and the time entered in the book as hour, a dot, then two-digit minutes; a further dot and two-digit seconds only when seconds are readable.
12.33
